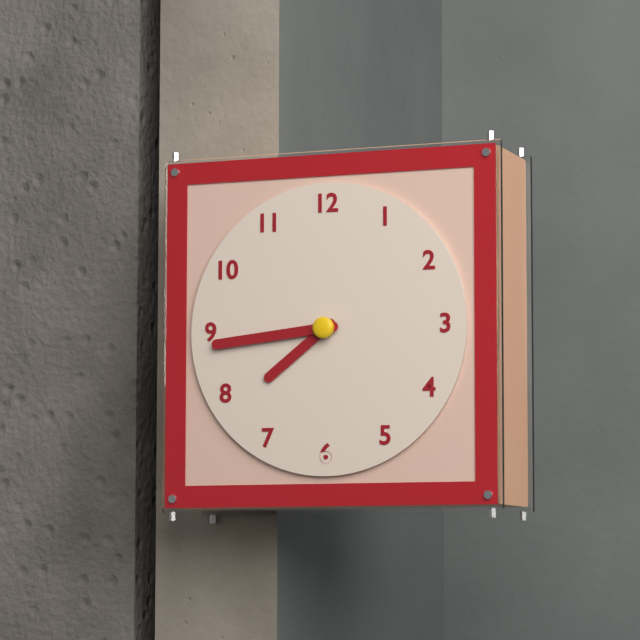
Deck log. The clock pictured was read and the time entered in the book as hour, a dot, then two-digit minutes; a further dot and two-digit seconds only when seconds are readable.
7.44
